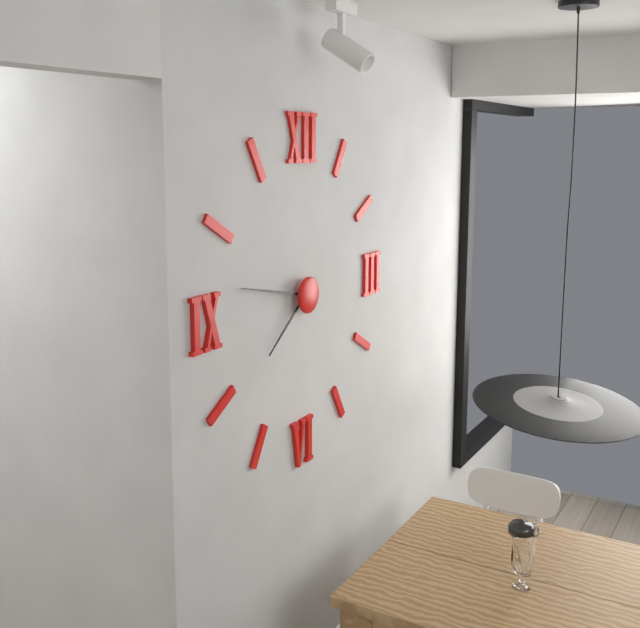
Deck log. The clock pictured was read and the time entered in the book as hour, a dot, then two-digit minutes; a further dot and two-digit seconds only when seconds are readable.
7.47
